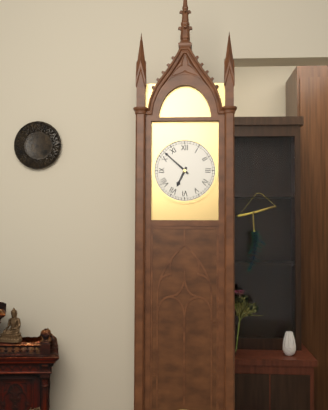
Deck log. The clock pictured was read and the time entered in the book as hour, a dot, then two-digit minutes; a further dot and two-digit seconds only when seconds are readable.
6.52
